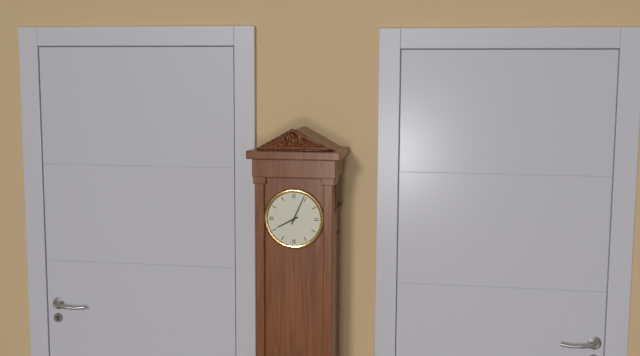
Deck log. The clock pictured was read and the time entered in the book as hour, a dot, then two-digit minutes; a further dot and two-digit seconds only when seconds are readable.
8.04
